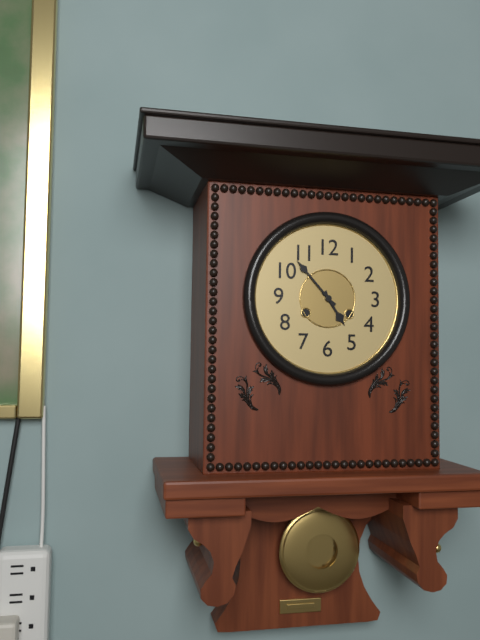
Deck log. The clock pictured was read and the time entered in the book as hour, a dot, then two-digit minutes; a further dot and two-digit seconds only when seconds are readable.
4.53
